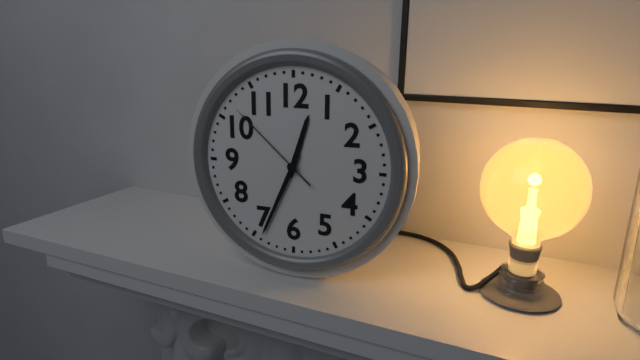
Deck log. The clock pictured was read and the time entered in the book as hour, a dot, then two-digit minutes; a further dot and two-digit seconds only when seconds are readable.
12.34.52
